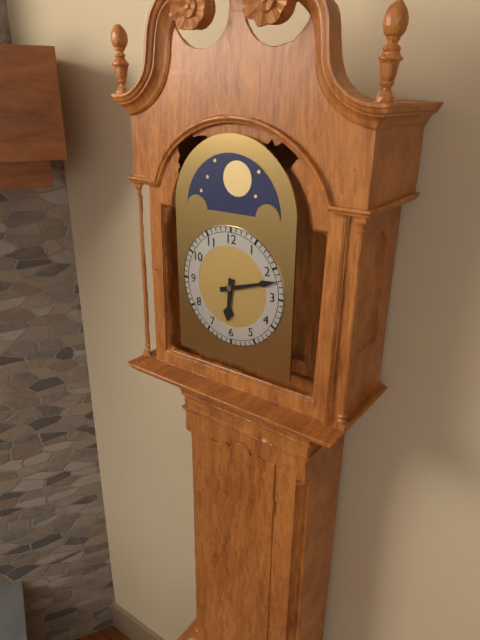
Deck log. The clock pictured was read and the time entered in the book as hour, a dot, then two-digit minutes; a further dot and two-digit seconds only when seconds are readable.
6.12
